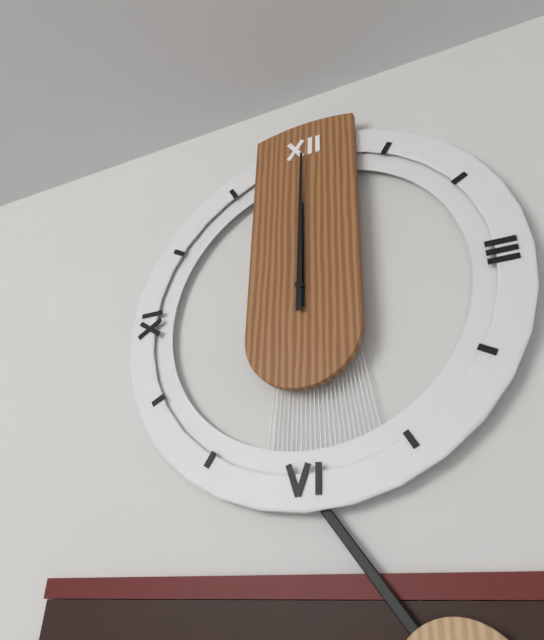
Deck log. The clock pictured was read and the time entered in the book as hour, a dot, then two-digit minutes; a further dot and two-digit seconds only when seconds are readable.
12.00
